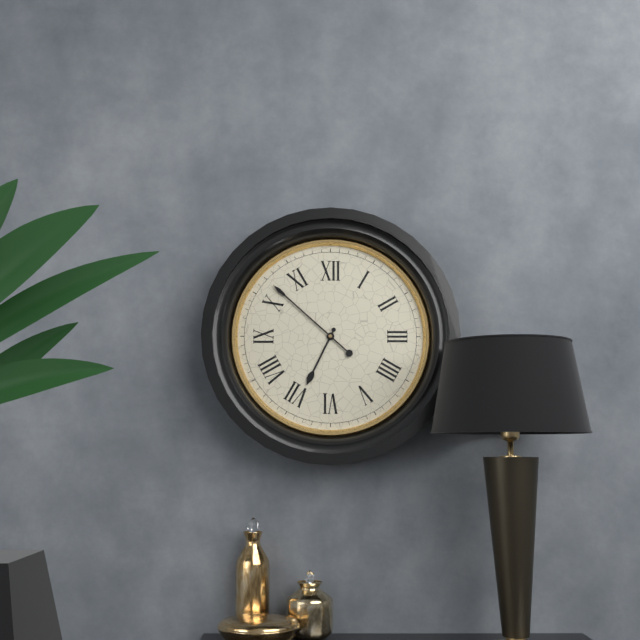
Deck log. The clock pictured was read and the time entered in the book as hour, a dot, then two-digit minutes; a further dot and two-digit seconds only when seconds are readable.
6.52
